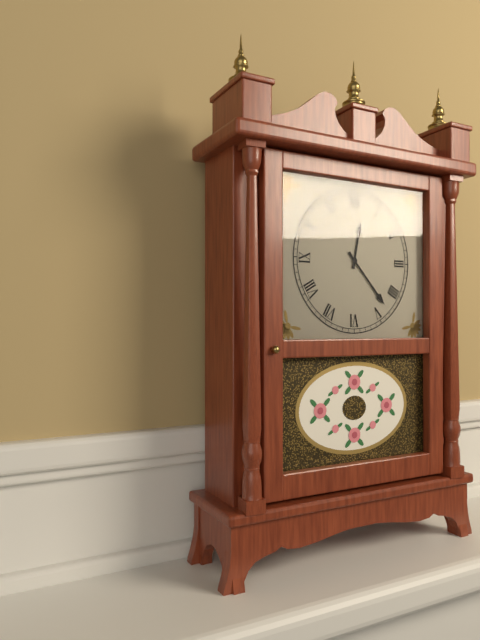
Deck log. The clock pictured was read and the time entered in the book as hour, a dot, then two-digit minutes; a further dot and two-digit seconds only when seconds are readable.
12.23
